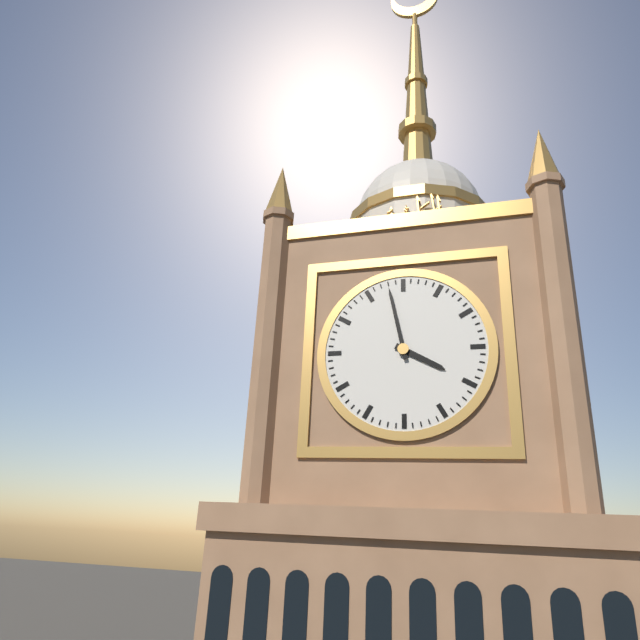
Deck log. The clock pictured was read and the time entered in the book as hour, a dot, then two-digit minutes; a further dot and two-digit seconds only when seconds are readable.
3.58
